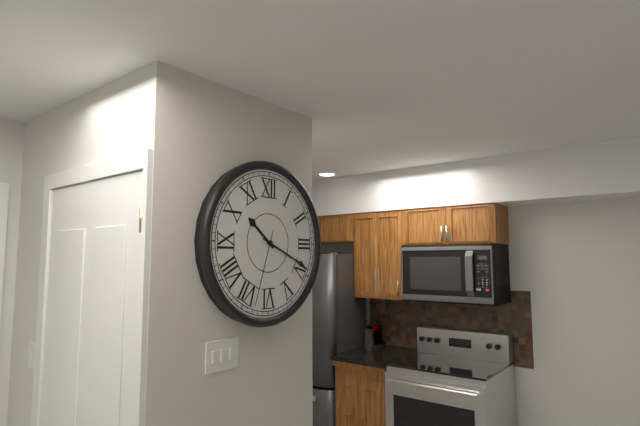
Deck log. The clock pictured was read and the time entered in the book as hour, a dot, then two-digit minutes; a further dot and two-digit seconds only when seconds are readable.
10.19.33
